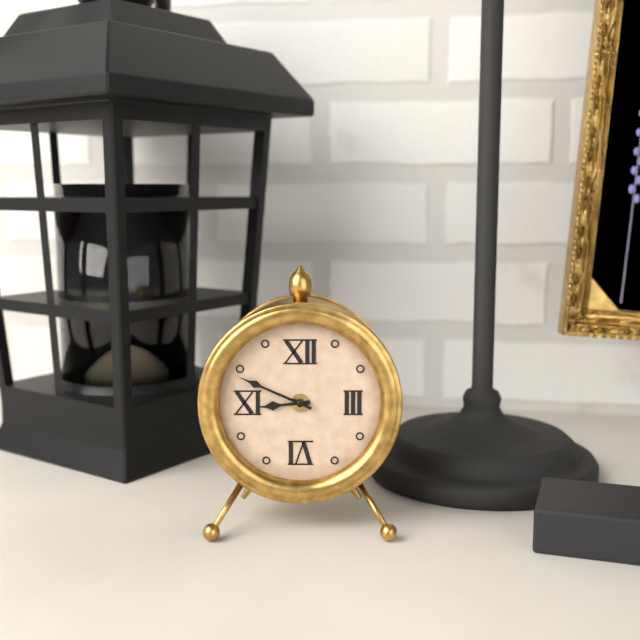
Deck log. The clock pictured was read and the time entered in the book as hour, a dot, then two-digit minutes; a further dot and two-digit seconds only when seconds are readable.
8.49
